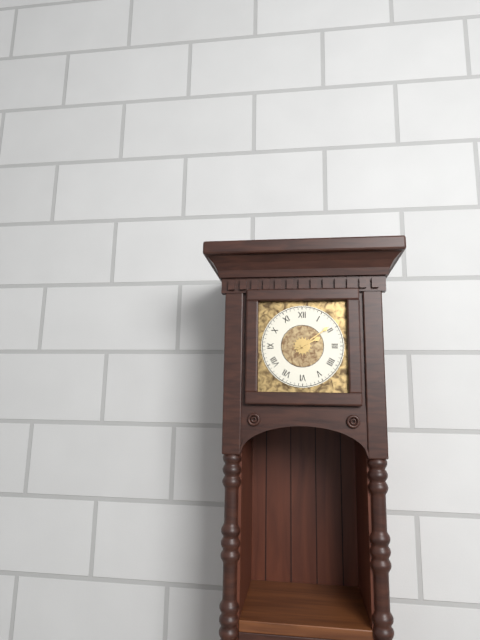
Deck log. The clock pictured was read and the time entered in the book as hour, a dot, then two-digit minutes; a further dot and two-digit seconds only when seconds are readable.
2.09
